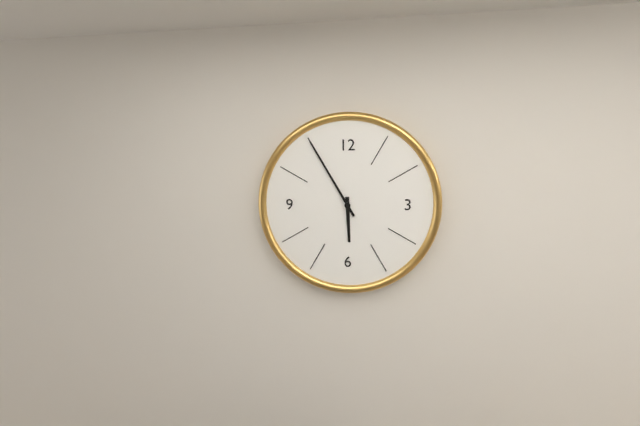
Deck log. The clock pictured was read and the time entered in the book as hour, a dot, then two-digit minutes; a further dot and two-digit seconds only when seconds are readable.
5.55
